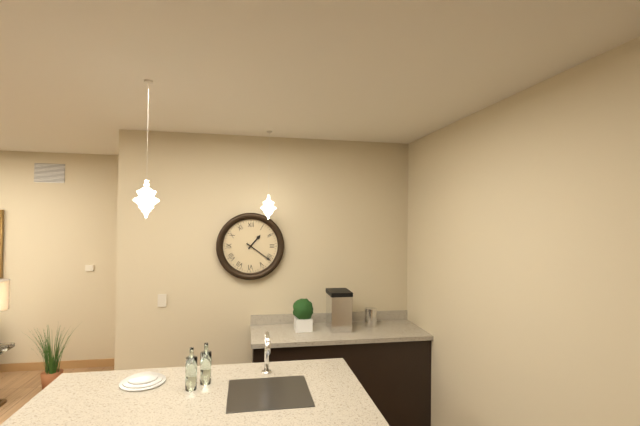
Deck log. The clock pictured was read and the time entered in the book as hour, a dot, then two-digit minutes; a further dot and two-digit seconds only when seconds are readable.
1.21
